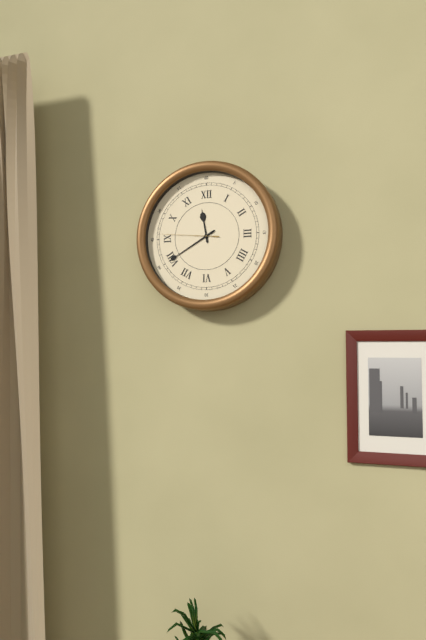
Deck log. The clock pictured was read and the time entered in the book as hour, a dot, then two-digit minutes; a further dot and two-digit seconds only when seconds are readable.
11.40.46
